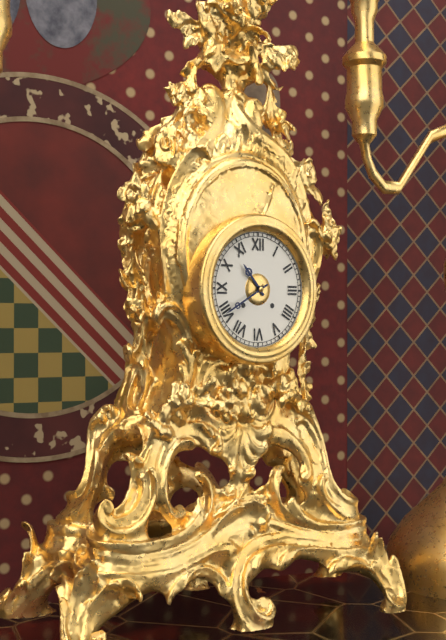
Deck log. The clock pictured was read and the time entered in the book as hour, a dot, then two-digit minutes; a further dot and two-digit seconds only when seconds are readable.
10.40
